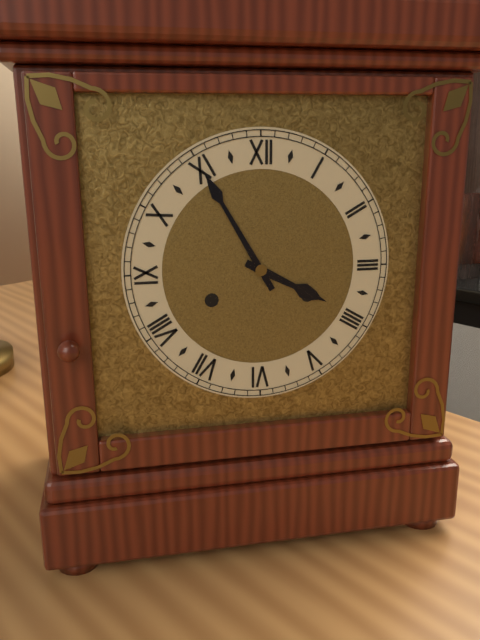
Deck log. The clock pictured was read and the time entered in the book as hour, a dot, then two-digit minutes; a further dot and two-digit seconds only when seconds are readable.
3.55
